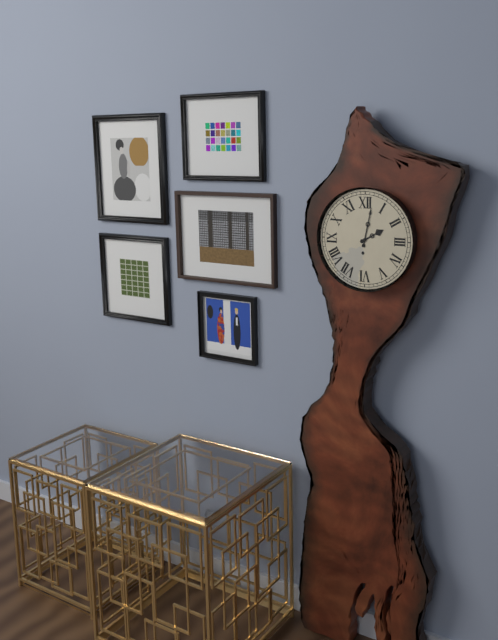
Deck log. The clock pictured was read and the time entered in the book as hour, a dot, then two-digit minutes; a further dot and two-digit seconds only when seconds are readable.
2.02
